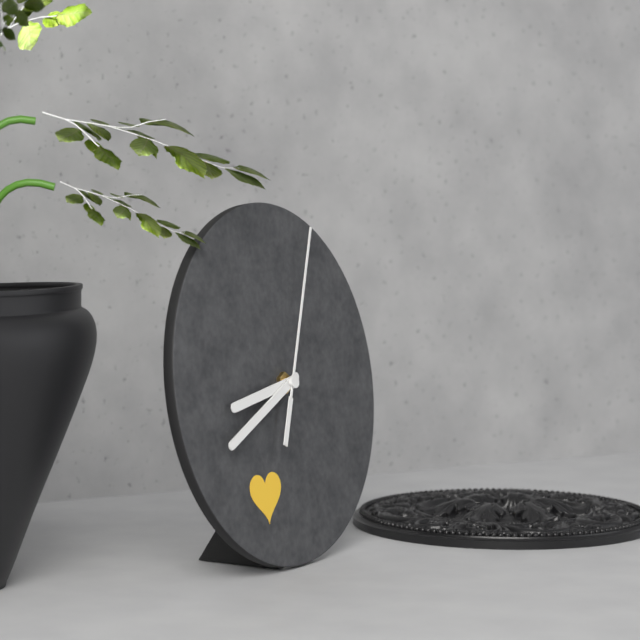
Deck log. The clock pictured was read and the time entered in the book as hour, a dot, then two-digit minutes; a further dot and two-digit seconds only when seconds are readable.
8.41.04
